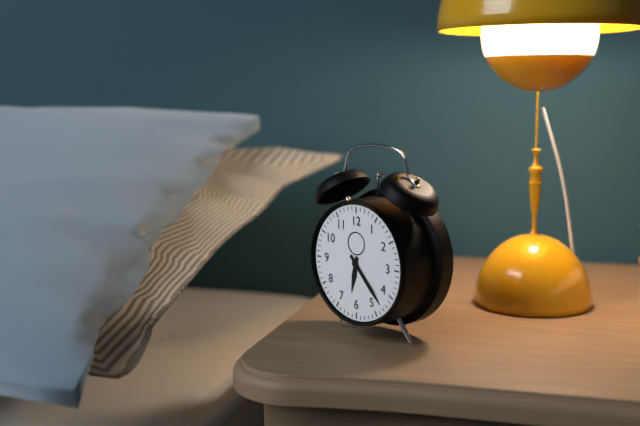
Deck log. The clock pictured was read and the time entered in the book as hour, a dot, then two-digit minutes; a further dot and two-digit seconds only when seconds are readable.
6.23
